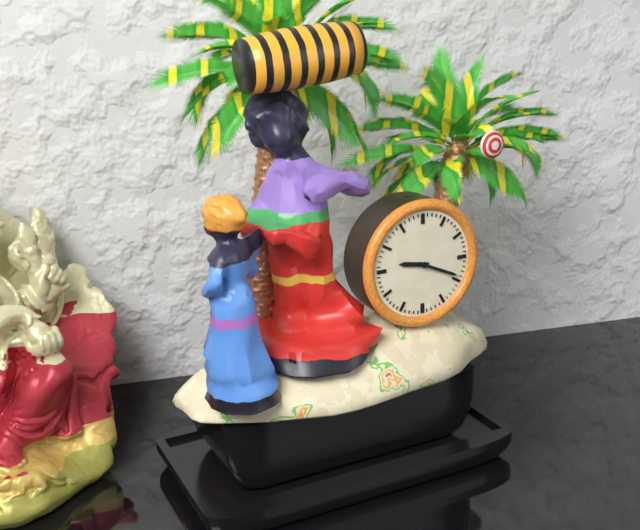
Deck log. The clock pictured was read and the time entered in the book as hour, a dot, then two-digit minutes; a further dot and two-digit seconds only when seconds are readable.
9.19
